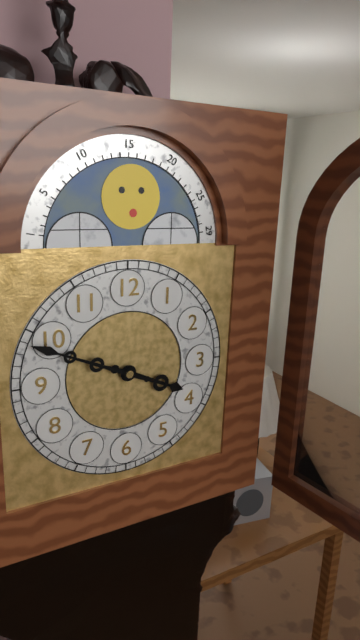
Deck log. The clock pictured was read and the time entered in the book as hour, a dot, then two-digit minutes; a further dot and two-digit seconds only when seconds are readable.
3.49
